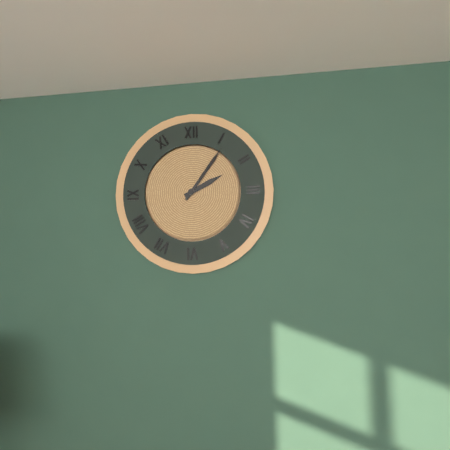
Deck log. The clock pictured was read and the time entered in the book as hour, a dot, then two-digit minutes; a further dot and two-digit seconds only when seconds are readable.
2.06
